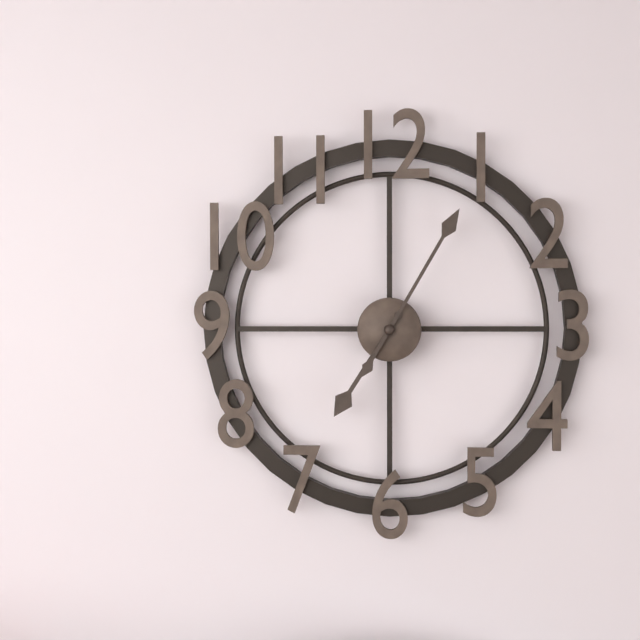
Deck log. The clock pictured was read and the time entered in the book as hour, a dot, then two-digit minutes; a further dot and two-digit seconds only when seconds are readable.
7.05
